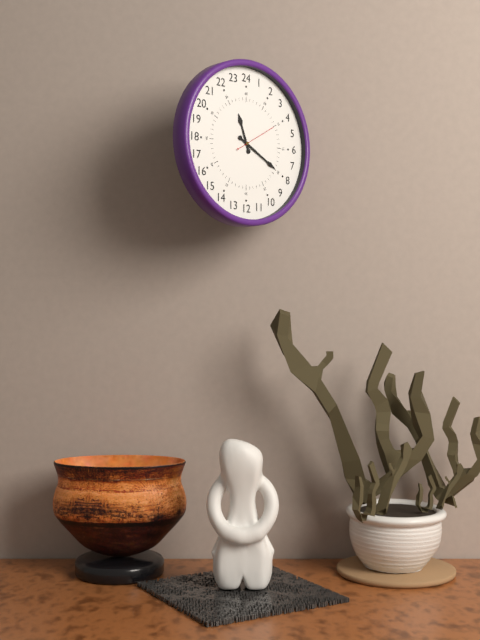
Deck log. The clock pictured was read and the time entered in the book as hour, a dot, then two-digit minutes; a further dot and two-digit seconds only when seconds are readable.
11.20.10
